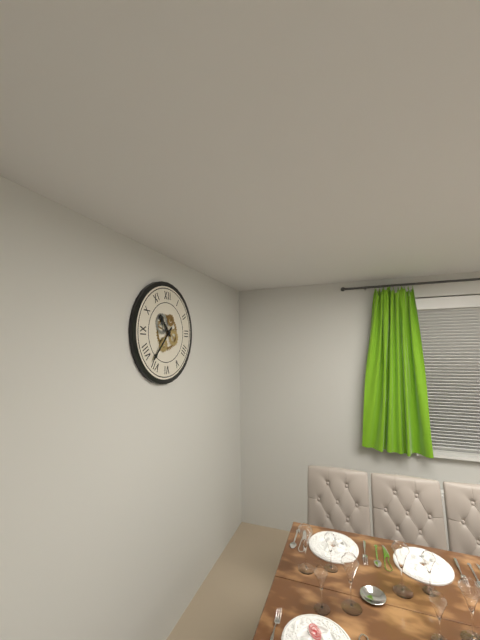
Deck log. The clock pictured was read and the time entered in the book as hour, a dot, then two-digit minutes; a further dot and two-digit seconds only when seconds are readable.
10.37
